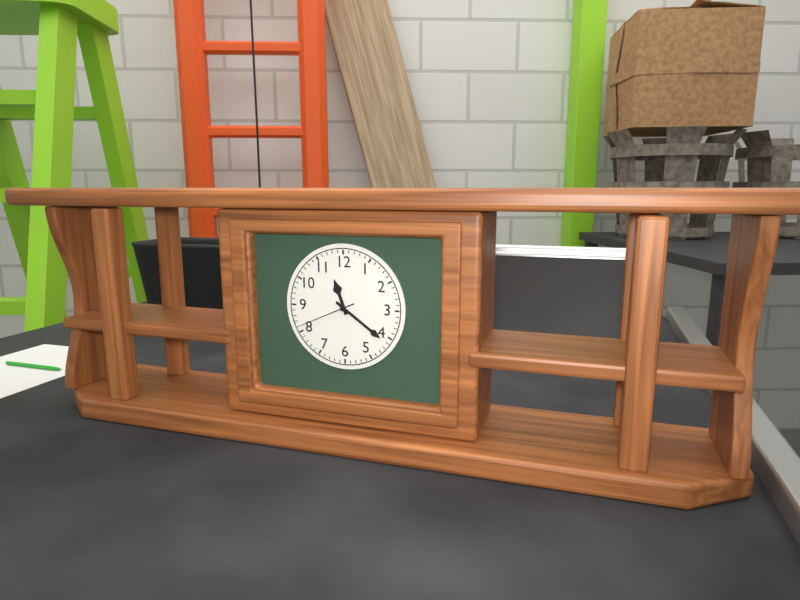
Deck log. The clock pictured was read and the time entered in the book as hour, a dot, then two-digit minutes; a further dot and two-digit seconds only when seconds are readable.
11.21.41
